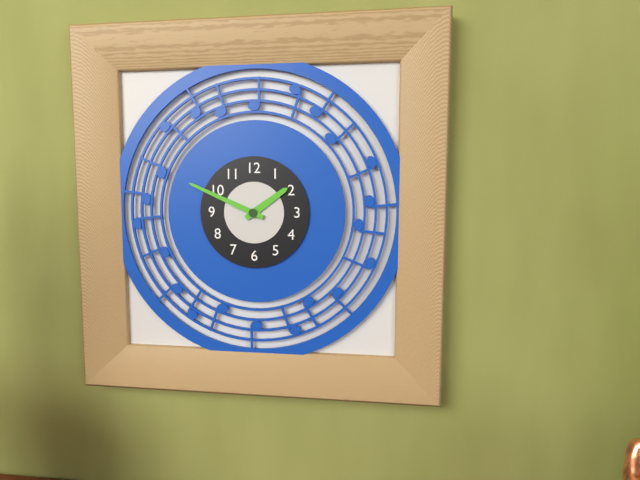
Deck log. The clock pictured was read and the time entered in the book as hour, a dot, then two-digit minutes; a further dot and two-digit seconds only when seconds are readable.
1.49
